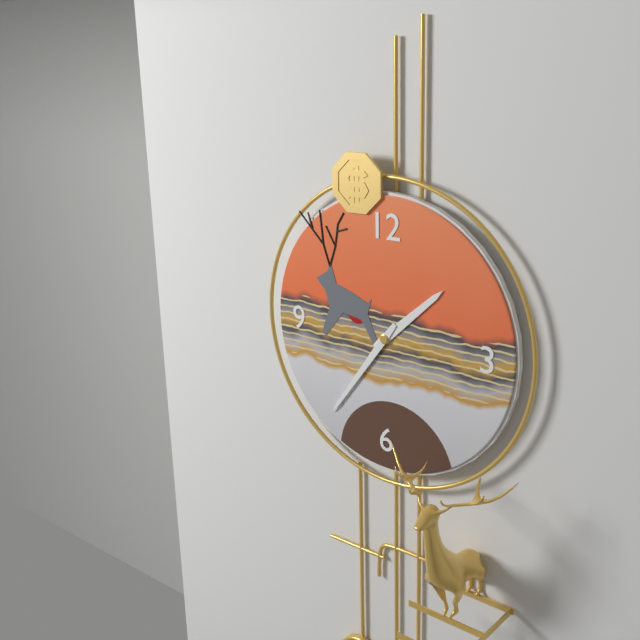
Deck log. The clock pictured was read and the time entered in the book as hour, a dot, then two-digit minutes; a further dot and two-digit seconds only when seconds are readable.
1.36
